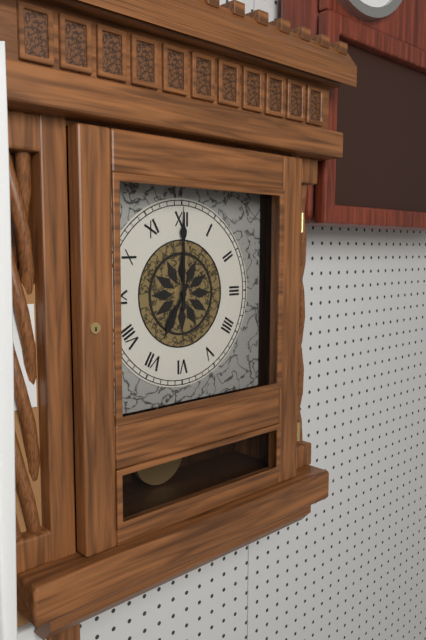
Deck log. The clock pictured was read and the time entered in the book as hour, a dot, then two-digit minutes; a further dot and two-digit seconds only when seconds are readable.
7.00
